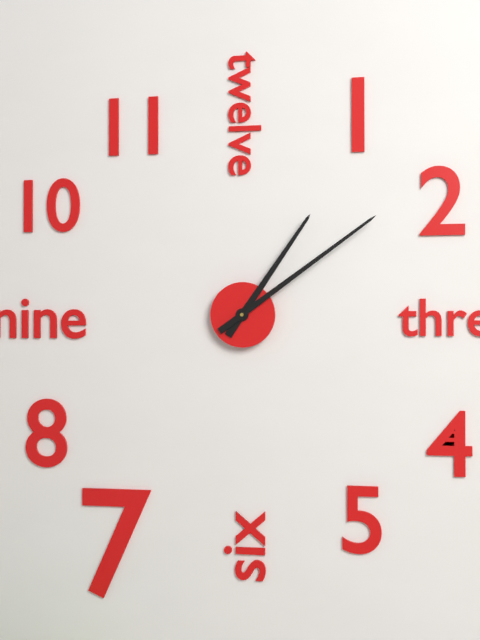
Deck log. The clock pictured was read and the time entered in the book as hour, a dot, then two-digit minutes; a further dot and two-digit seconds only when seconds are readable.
1.09
